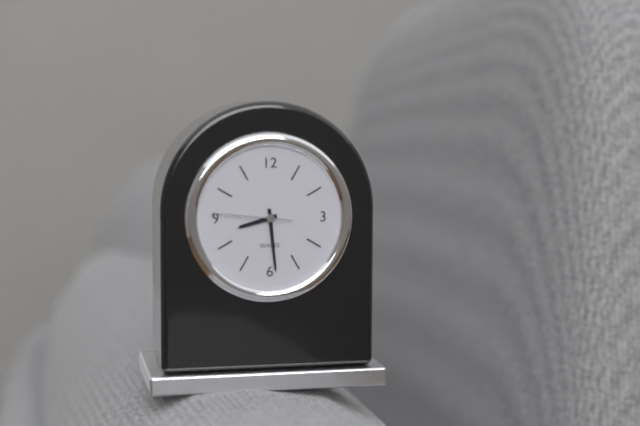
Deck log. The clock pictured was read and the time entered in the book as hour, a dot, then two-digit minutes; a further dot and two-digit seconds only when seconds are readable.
8.29.46
